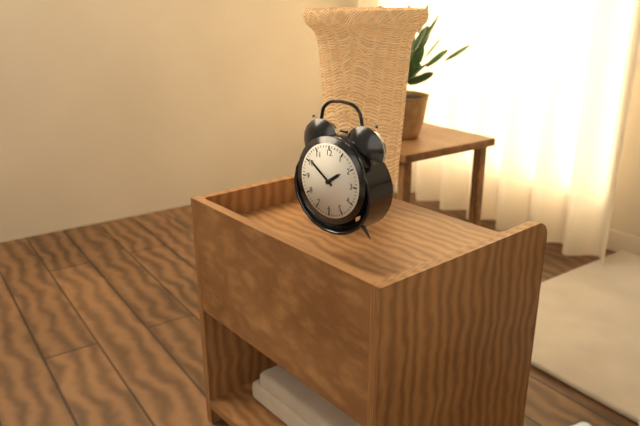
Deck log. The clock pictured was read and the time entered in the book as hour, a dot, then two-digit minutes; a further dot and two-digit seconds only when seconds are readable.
1.51
